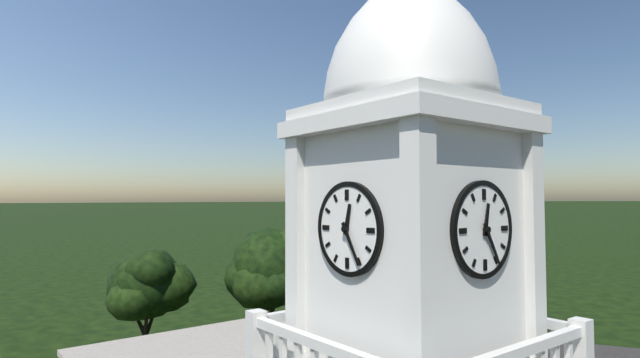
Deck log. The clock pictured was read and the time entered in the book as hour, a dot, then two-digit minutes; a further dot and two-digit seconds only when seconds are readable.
12.25
